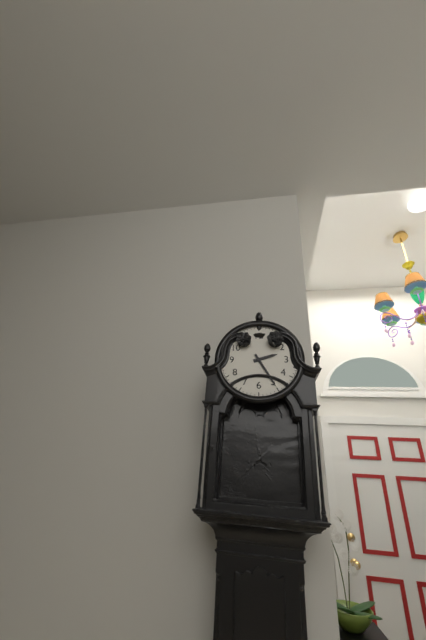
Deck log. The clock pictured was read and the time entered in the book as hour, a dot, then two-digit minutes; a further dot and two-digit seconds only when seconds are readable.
2.25
